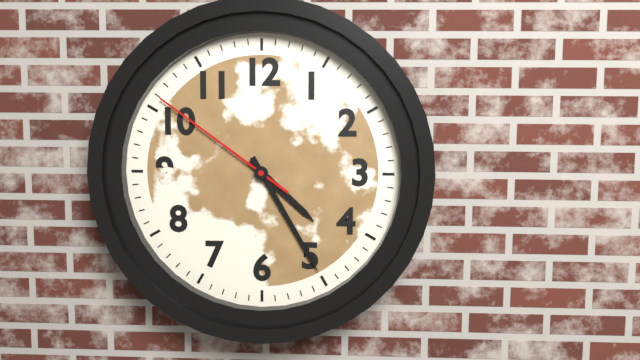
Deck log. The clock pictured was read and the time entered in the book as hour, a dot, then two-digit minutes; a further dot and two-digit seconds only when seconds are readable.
4.25.51
